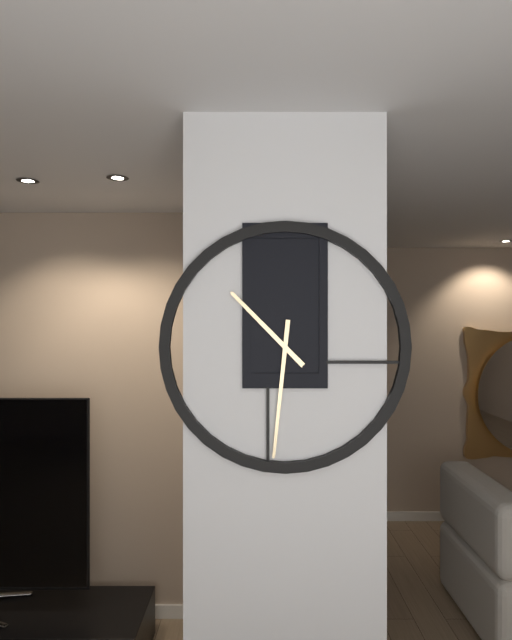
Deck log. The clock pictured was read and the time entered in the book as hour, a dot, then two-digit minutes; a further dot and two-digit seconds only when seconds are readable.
10.31
